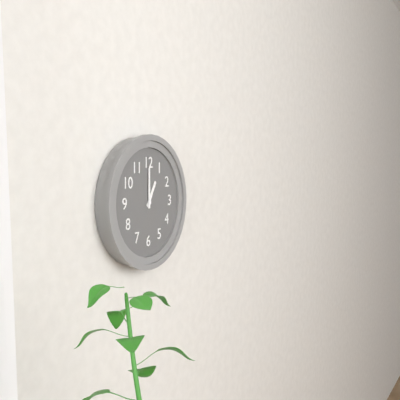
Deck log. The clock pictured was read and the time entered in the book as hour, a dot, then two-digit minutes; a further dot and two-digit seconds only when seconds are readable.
1.00
